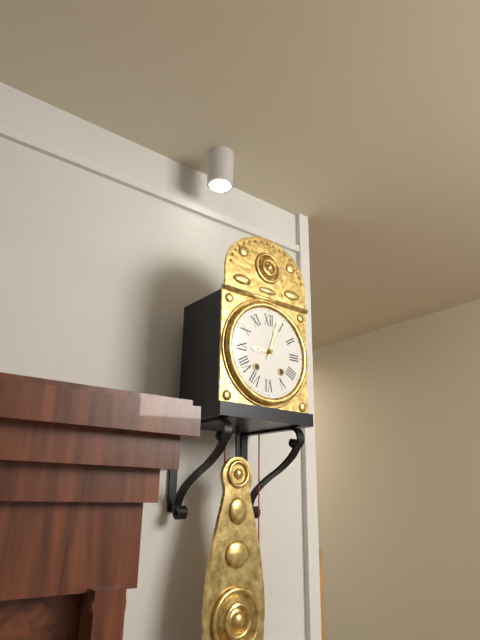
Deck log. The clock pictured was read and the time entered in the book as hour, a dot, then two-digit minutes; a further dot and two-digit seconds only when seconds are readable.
9.03
